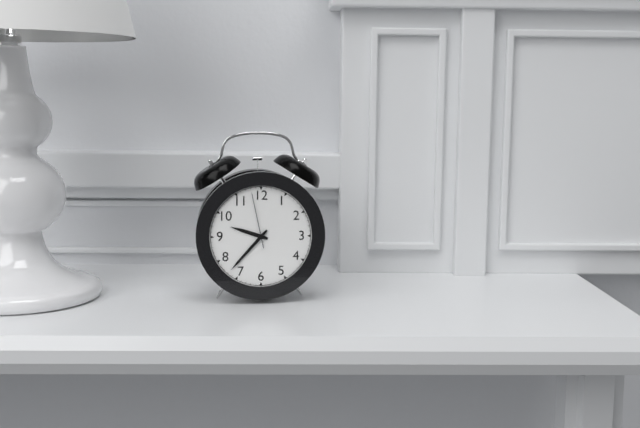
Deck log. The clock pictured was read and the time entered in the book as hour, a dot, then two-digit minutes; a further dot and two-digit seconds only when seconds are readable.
9.37.58
